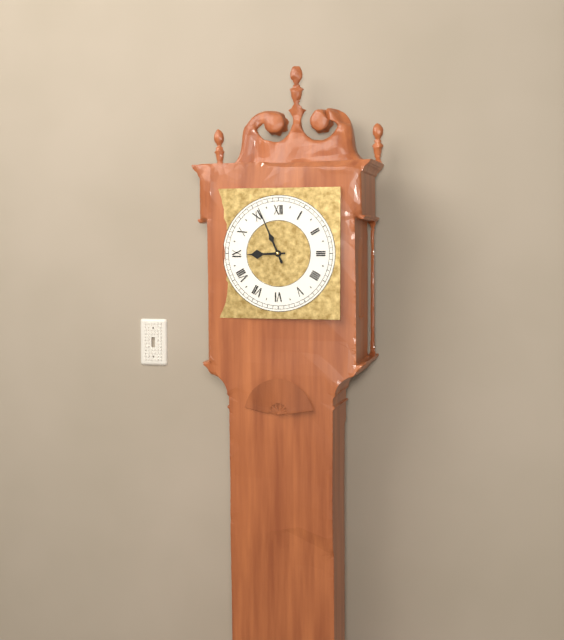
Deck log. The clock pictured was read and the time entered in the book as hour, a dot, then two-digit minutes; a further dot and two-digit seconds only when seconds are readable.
8.56
